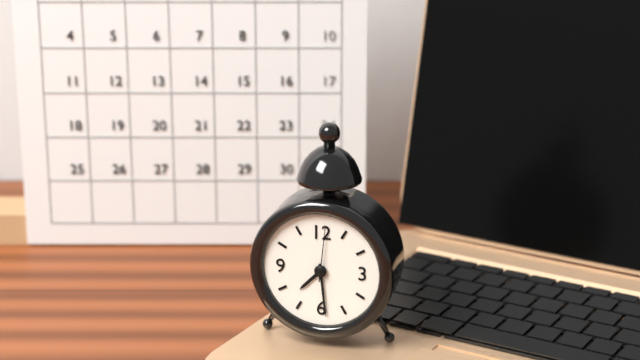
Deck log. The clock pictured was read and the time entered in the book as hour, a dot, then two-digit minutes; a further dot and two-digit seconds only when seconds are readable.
7.29
